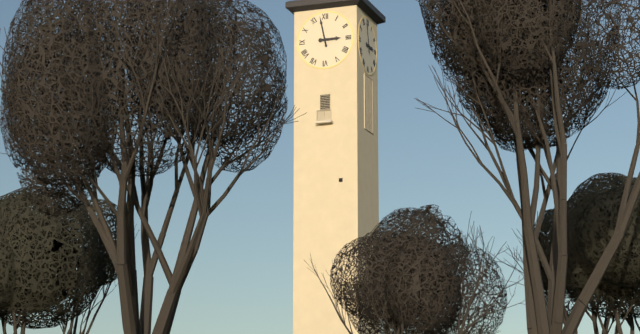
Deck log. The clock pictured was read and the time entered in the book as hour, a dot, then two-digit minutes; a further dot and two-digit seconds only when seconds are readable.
2.58
